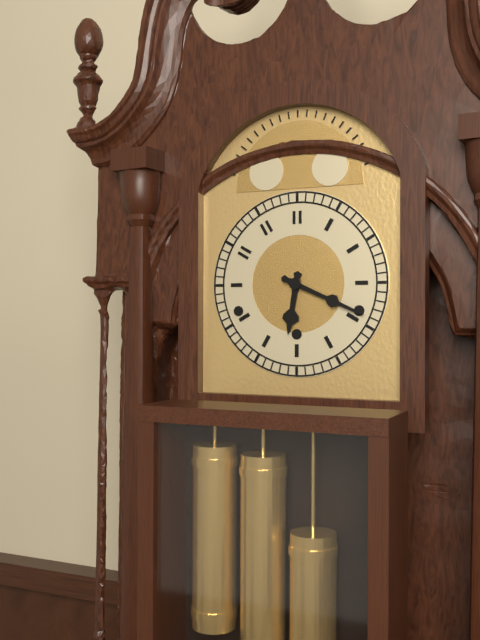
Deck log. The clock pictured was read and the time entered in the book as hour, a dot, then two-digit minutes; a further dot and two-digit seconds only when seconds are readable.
6.19
